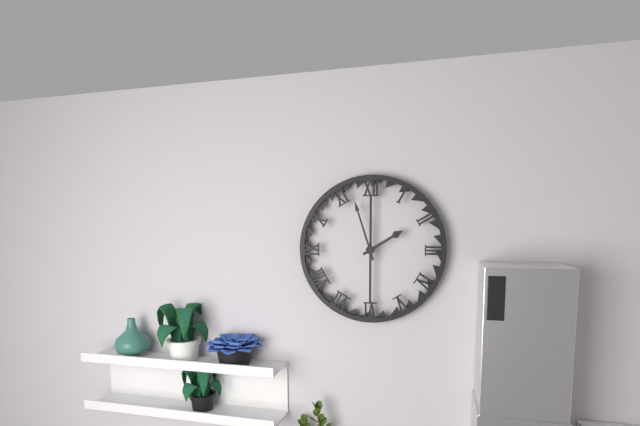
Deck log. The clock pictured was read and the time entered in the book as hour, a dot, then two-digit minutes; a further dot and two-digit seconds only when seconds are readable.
1.57
